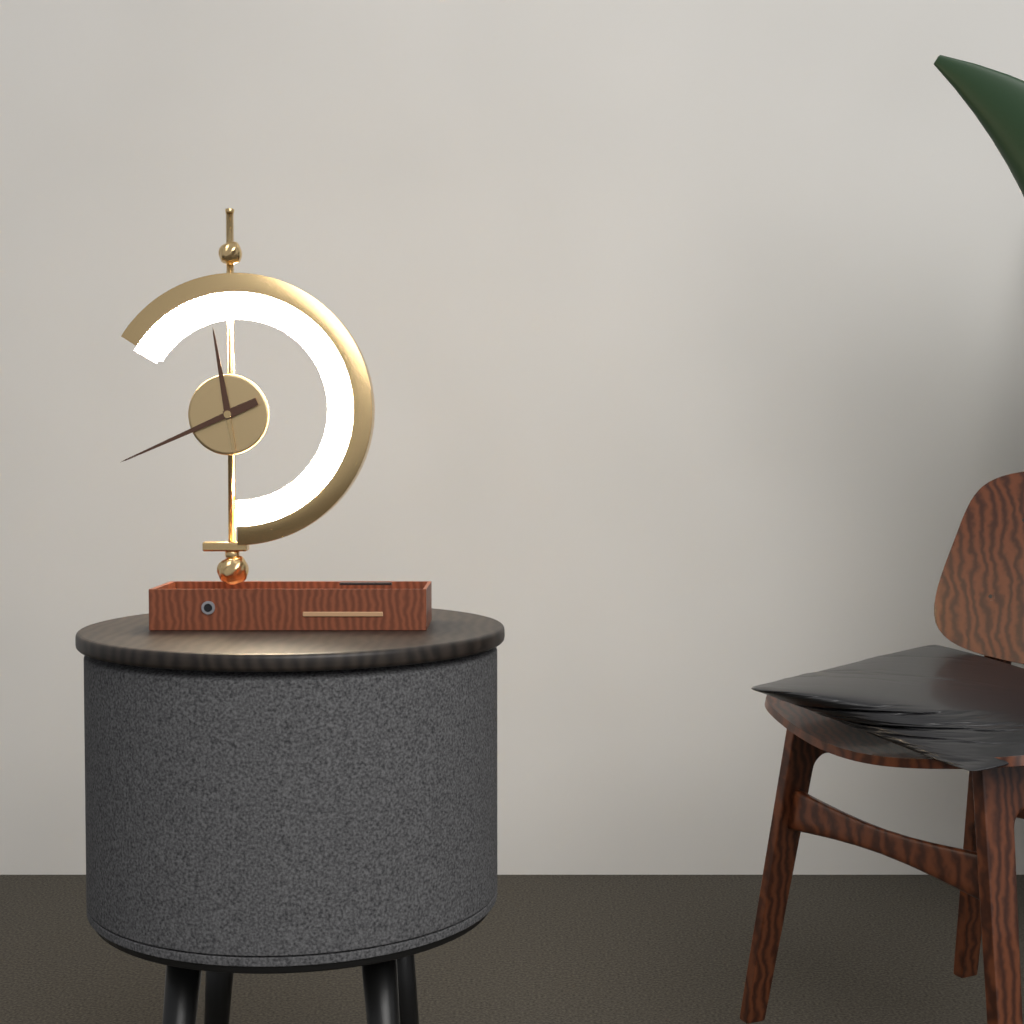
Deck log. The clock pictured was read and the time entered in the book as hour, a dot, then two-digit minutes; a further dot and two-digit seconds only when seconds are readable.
11.41
